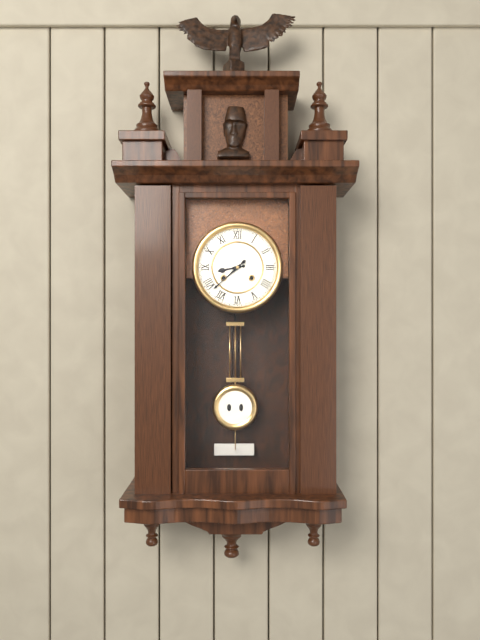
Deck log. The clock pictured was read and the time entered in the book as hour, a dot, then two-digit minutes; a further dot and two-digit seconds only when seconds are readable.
8.38
